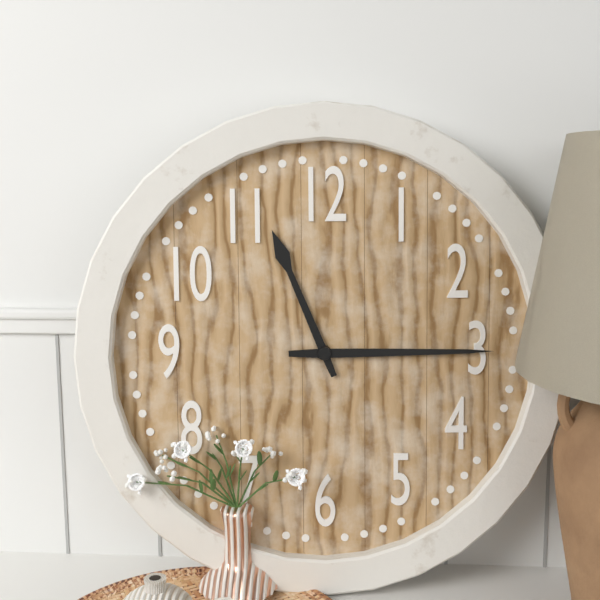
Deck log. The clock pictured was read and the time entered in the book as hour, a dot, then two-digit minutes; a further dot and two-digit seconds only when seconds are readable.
11.15
